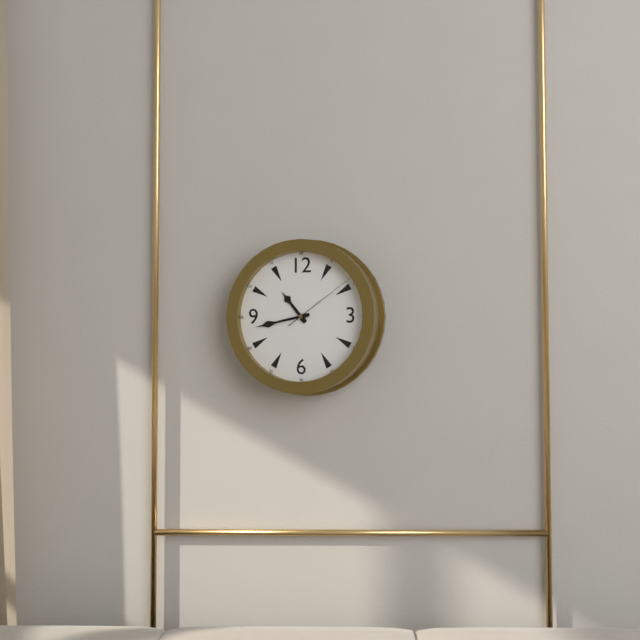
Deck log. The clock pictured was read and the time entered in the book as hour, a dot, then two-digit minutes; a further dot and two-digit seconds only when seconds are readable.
10.43.09
